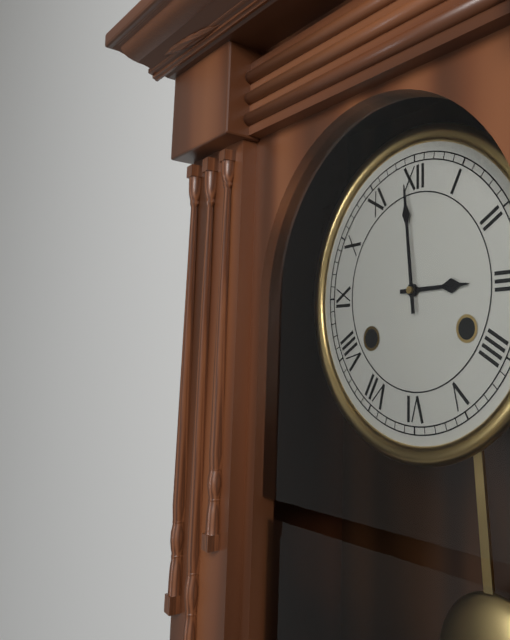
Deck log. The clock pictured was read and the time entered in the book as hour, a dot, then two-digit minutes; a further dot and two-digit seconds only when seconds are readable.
2.59
